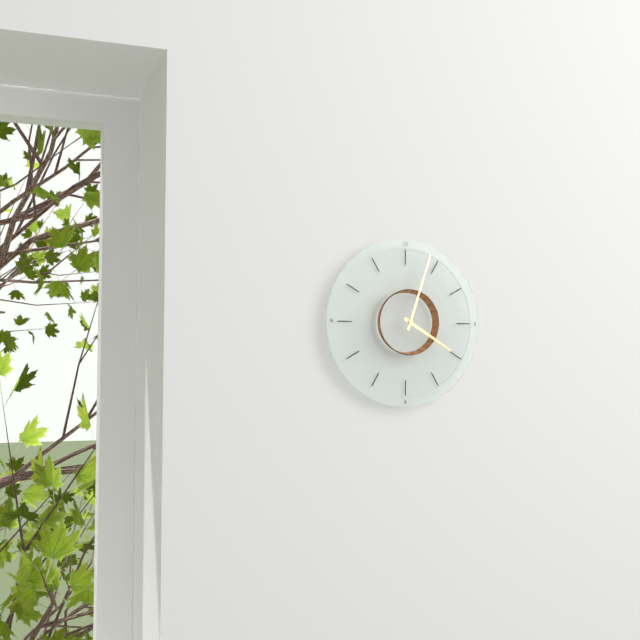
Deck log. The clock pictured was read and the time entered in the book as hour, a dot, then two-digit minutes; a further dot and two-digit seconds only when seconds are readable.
4.03
